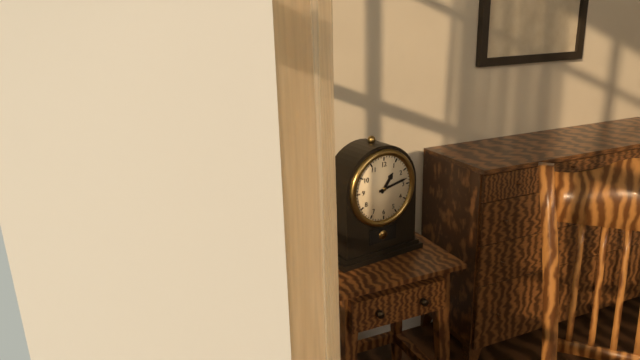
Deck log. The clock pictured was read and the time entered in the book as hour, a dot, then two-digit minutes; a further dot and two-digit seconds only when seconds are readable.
1.13
